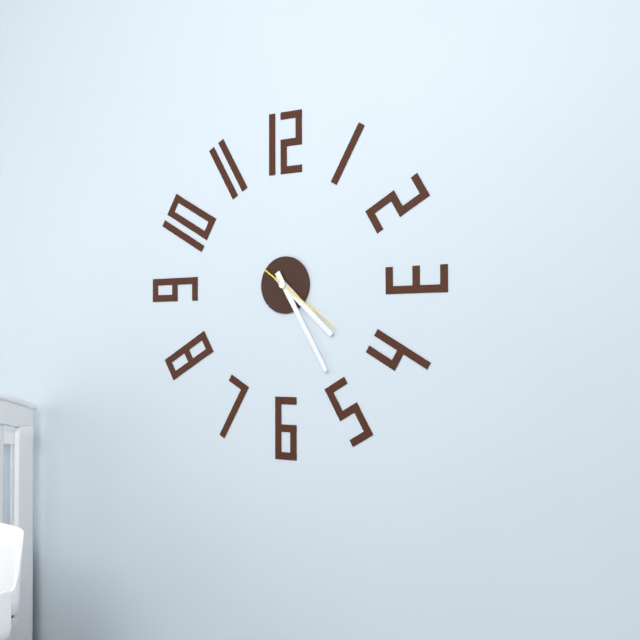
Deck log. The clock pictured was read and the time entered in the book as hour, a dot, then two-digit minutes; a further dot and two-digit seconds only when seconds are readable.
4.25.21
